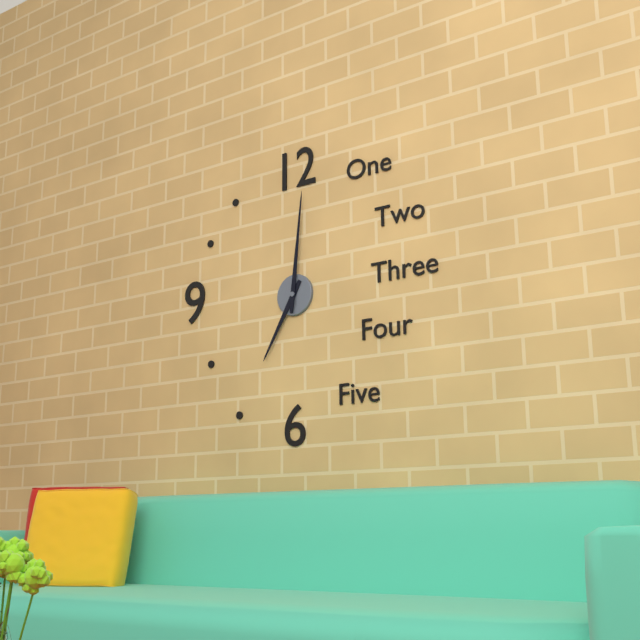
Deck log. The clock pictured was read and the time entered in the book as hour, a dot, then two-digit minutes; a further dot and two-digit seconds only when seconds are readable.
7.01
